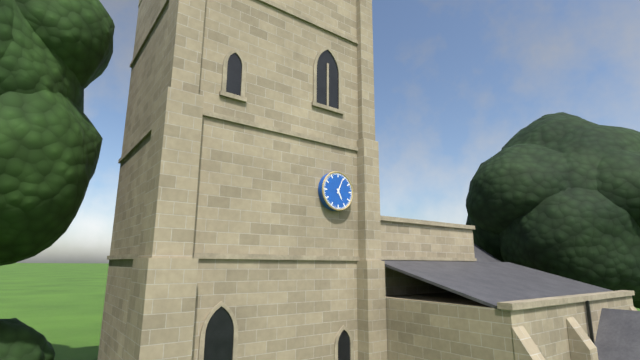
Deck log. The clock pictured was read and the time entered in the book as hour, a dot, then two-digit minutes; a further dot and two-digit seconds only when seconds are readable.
5.04
